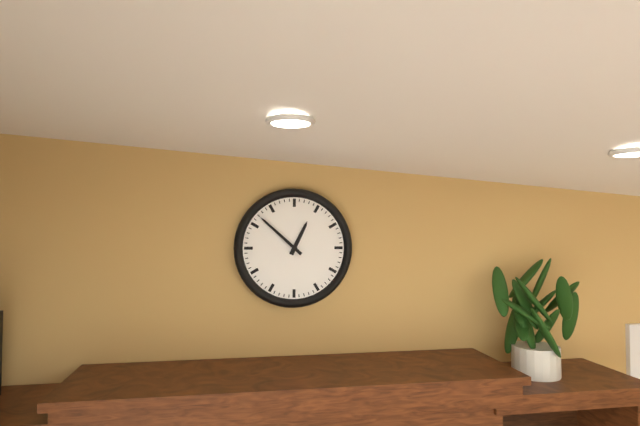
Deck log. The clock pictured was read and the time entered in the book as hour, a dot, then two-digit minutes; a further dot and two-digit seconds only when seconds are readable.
12.52
